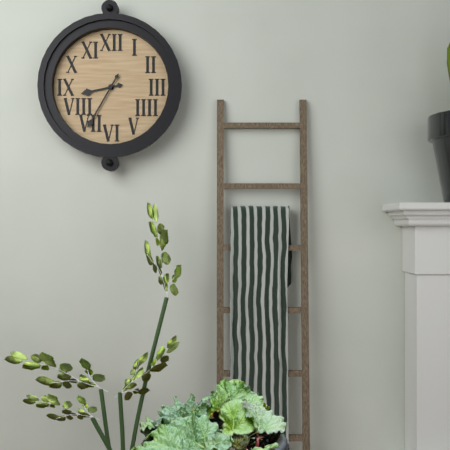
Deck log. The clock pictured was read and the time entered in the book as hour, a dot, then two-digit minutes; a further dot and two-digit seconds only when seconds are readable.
8.35
